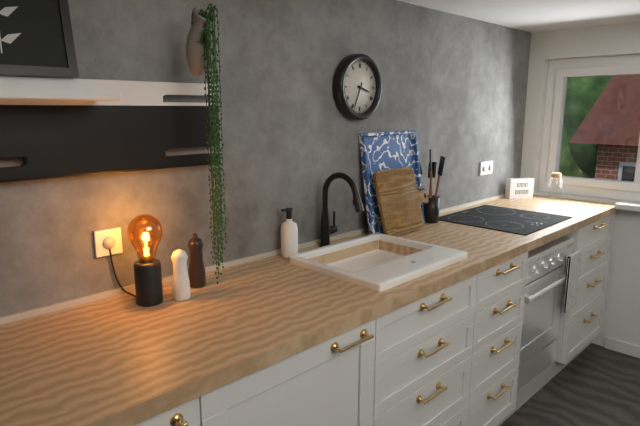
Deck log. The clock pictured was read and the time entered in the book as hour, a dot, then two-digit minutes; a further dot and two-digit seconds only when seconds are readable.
3.34
